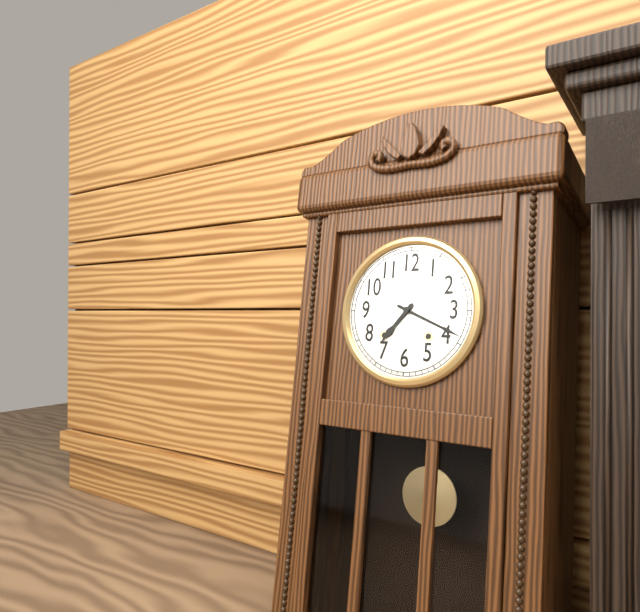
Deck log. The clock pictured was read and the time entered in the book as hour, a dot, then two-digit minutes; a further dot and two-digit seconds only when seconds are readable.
7.19
